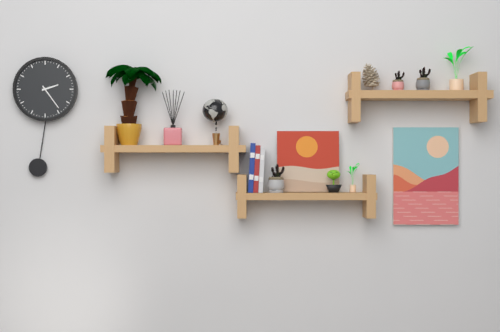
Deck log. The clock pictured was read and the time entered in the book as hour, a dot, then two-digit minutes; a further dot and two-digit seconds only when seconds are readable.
2.24
